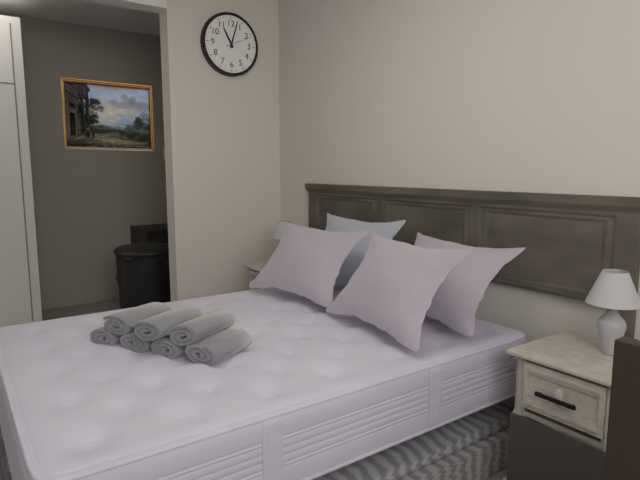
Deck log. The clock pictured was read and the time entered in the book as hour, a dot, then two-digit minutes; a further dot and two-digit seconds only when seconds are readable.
11.03
